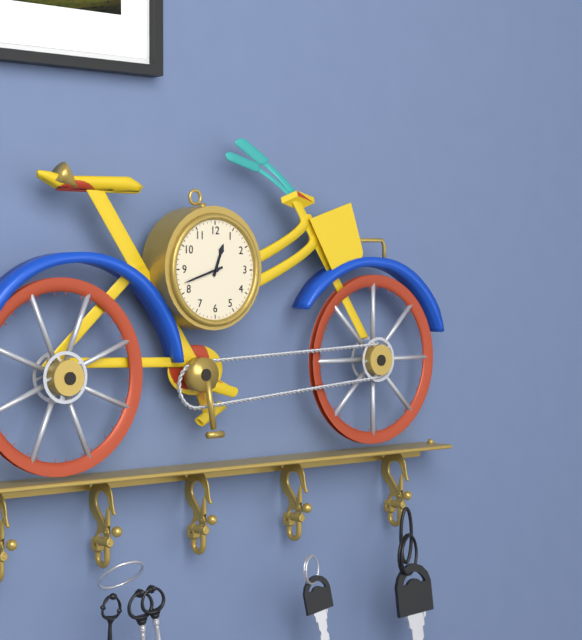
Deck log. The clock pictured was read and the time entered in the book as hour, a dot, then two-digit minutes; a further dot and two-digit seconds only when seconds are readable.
12.42
